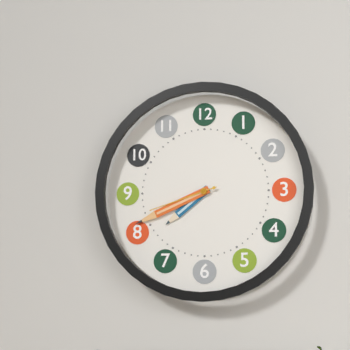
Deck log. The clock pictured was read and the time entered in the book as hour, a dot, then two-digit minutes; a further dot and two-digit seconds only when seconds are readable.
7.41.42
